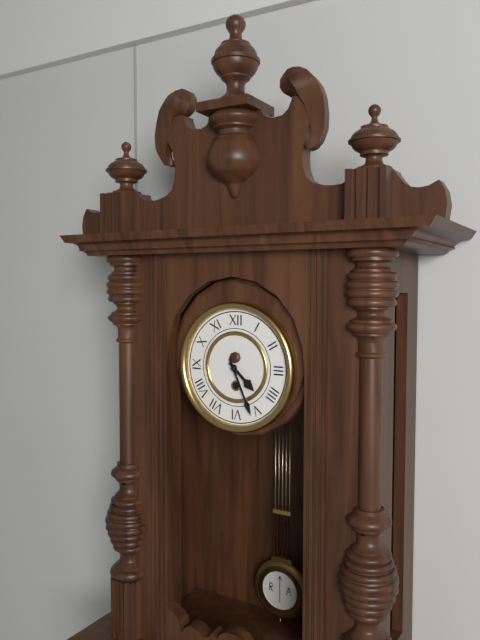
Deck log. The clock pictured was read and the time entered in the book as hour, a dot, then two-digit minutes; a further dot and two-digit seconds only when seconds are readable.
4.26
